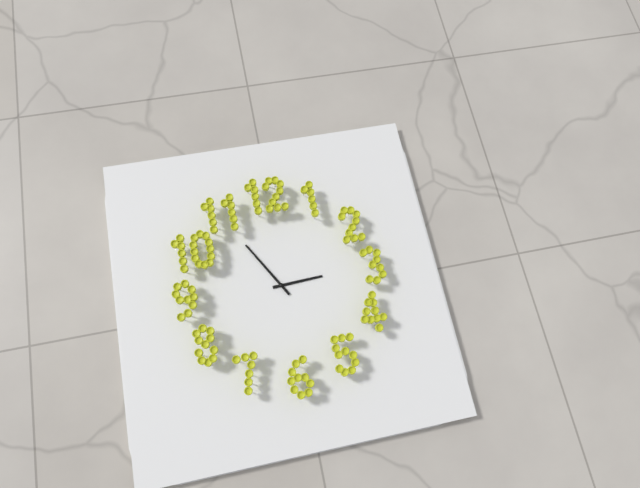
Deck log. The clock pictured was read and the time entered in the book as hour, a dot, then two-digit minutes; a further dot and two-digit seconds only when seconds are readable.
2.55
